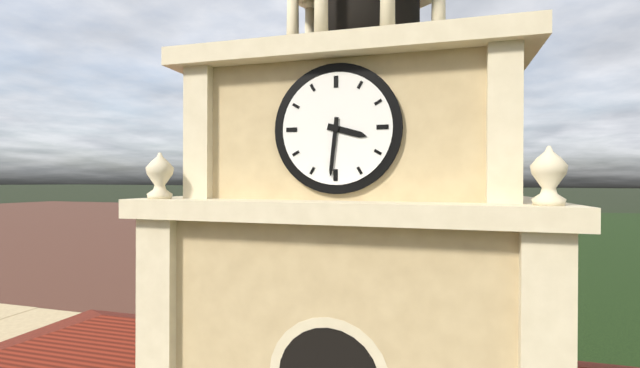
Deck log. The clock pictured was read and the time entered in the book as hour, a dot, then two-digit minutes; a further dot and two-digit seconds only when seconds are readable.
3.31
